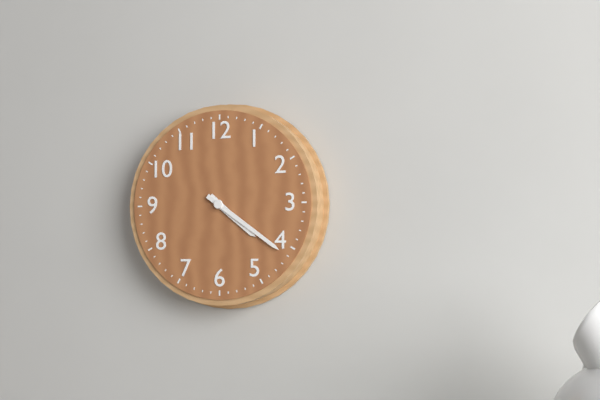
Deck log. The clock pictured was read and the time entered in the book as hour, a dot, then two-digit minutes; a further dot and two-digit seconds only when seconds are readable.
4.21
